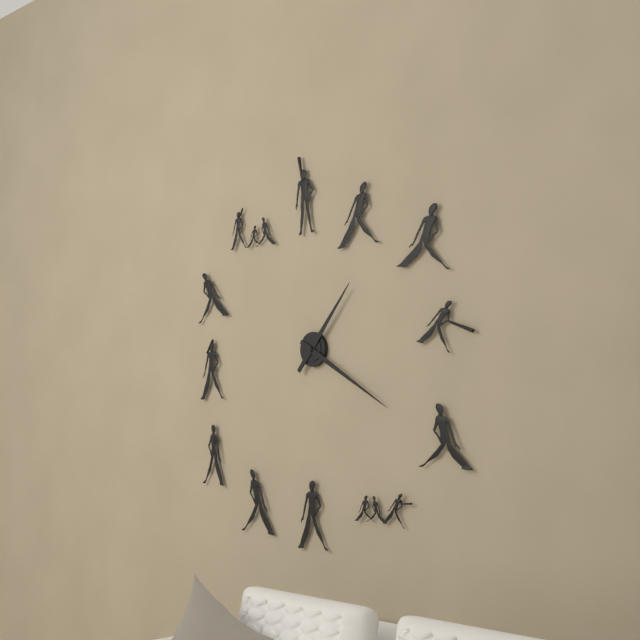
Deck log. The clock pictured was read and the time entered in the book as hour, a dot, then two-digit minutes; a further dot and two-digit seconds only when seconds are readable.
1.20
